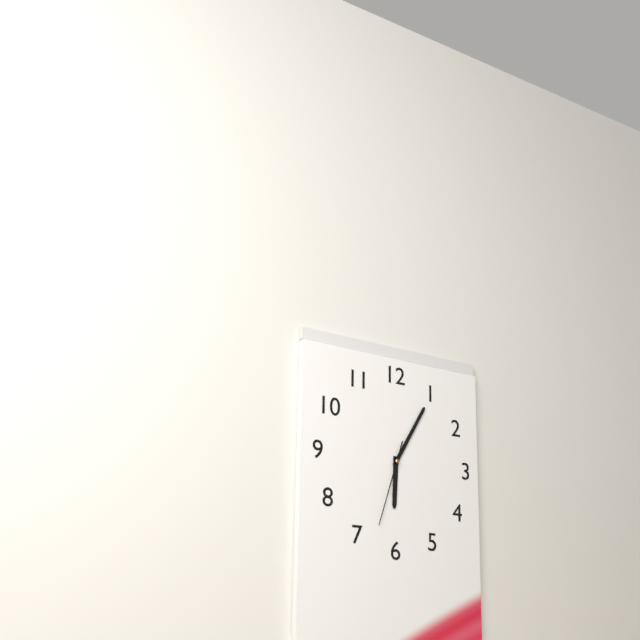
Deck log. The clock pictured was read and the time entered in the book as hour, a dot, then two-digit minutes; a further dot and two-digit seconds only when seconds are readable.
6.05.33
